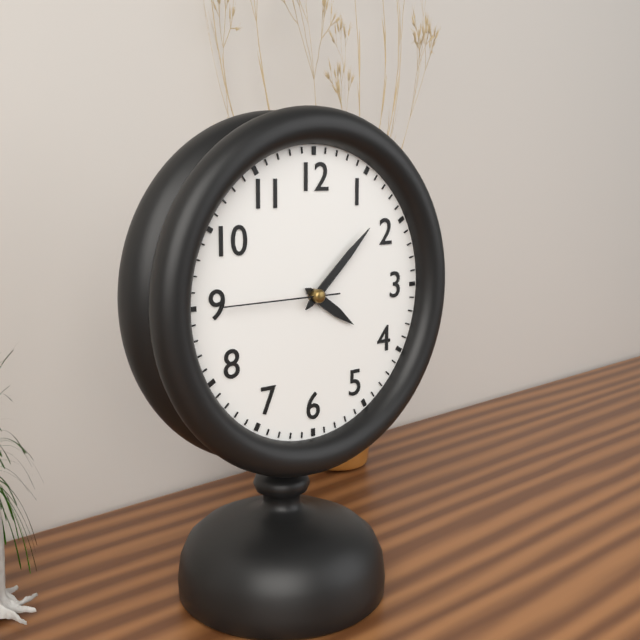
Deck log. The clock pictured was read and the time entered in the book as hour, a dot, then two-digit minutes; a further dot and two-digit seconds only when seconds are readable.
4.08.45
